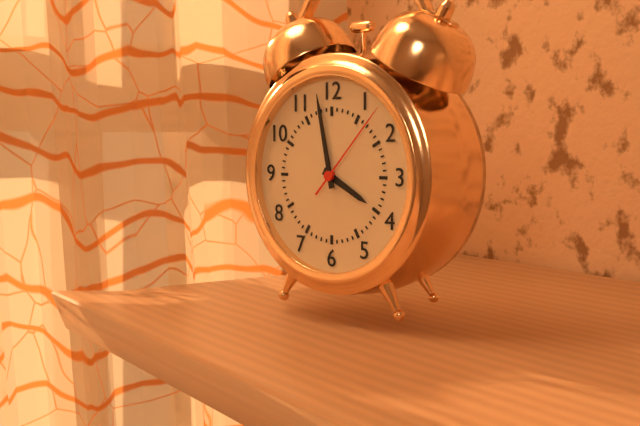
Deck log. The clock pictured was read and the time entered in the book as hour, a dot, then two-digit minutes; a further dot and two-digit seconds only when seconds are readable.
3.58.07
